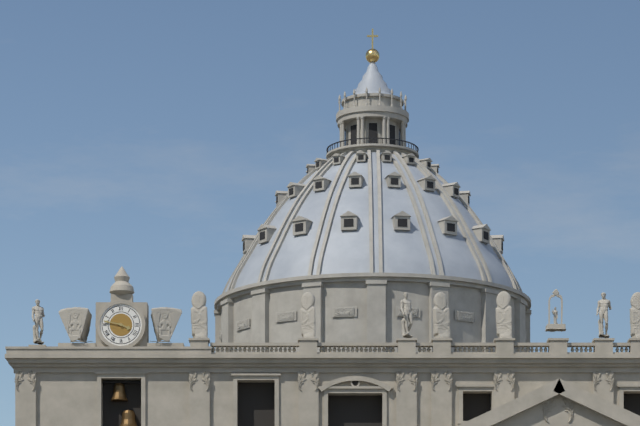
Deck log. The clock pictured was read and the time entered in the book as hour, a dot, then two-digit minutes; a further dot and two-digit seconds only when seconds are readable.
3.47
